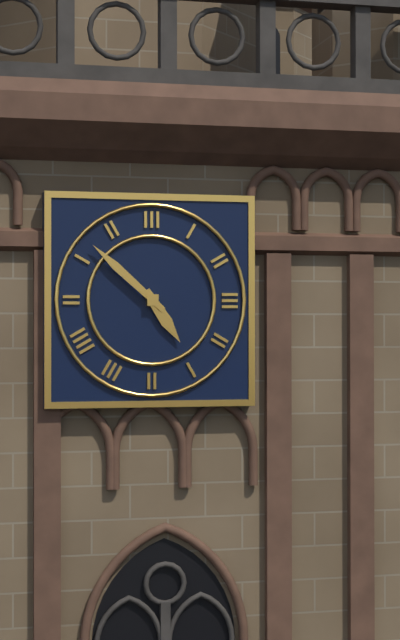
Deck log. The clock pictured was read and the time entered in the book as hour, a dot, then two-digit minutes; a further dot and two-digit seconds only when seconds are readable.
4.52
